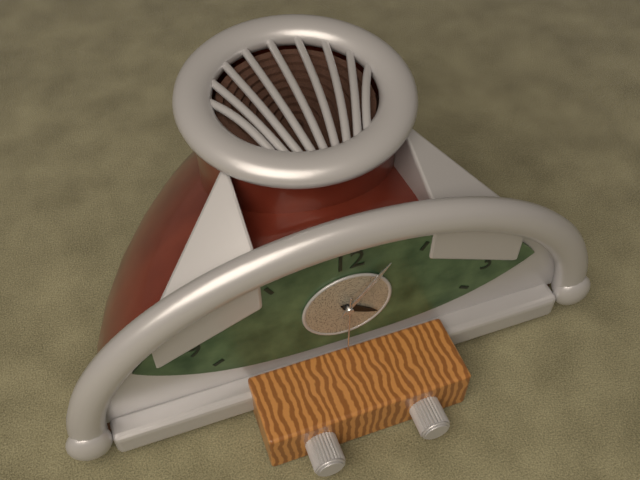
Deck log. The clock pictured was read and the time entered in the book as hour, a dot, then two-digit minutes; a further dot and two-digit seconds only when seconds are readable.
4.06.30
